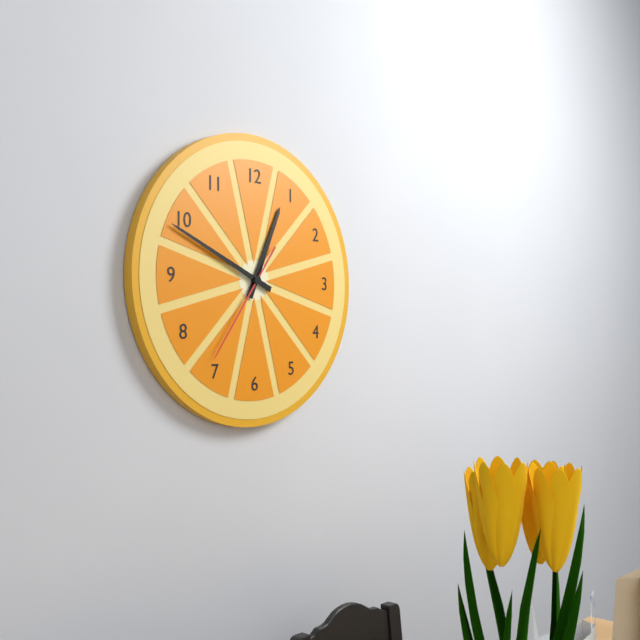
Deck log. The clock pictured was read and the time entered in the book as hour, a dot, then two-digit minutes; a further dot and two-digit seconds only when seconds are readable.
12.49.36
